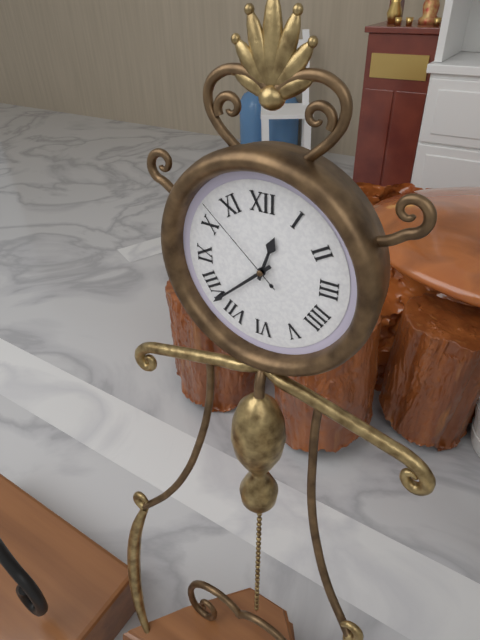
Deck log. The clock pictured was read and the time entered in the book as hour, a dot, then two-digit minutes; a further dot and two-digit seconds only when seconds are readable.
12.38.52
